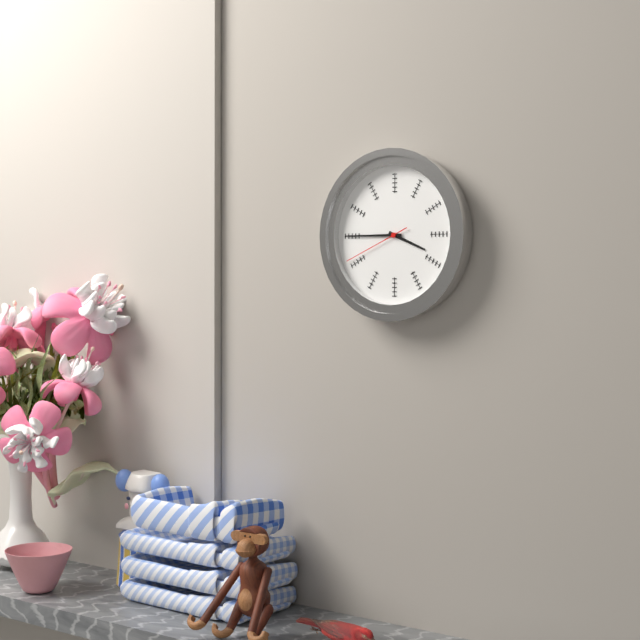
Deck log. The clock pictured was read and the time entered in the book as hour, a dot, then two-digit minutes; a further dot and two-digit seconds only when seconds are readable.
3.45.41
